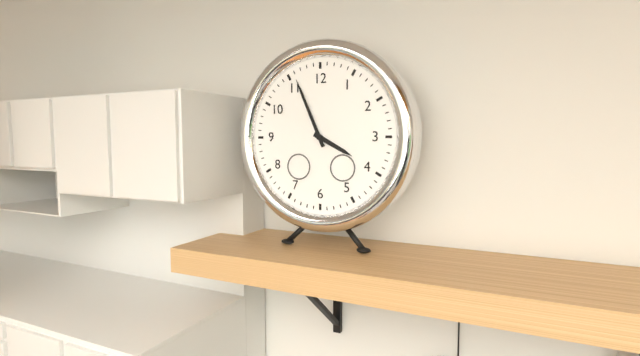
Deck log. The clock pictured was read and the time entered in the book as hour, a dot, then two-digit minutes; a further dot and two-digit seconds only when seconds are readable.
3.56
